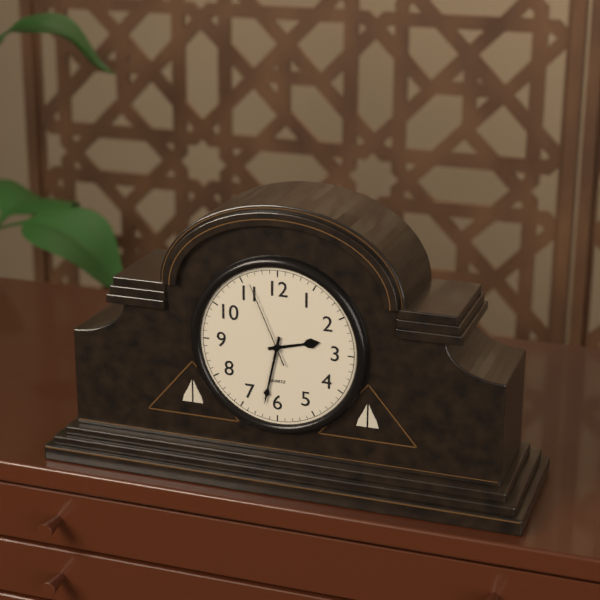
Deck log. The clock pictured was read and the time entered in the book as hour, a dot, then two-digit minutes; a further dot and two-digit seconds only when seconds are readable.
2.32.56
